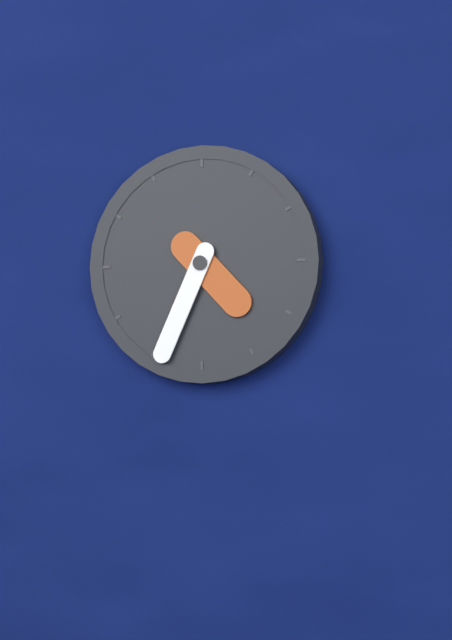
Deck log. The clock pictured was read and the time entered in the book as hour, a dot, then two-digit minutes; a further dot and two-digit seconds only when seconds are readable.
4.34
